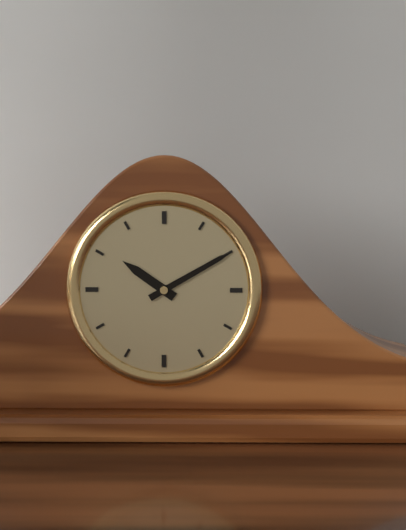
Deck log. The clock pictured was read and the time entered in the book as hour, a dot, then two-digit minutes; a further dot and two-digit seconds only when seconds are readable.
10.10
